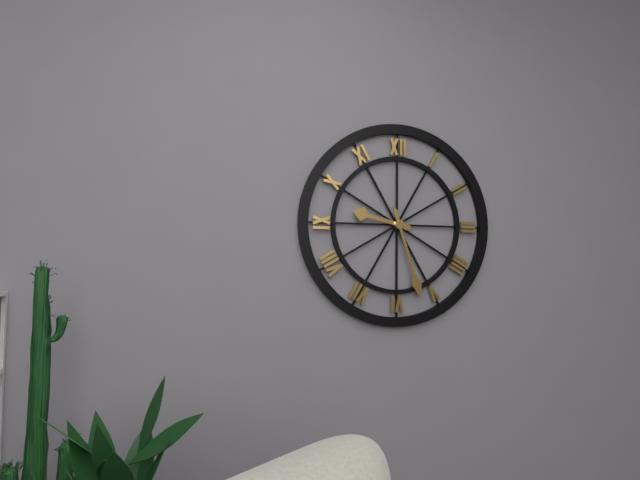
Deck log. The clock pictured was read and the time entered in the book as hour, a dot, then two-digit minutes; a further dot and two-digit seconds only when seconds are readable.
9.27
